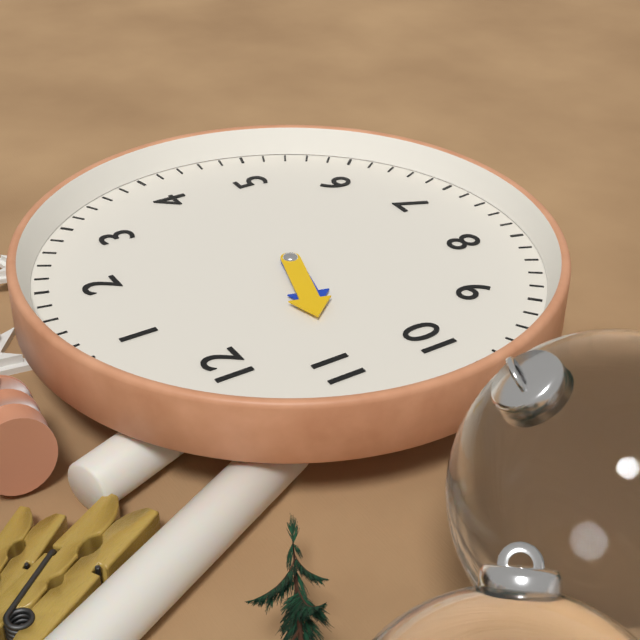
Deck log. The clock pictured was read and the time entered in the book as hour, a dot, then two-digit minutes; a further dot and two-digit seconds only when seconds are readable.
10.55
